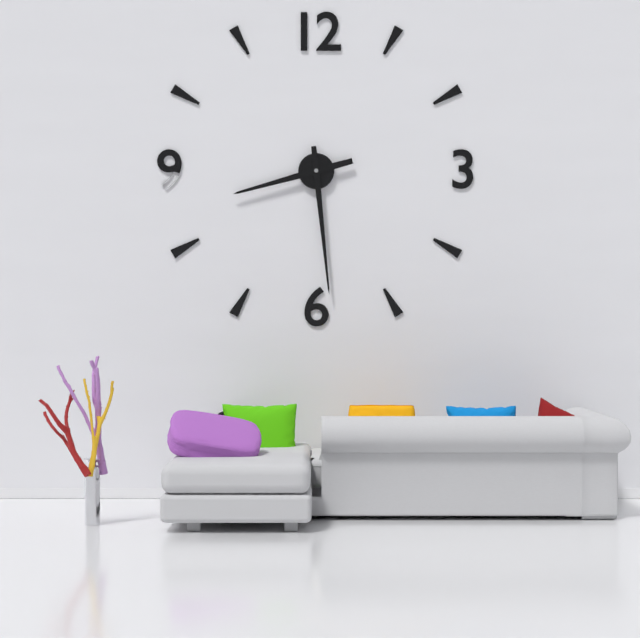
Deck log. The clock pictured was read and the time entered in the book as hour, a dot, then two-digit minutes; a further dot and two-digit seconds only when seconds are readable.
8.29
